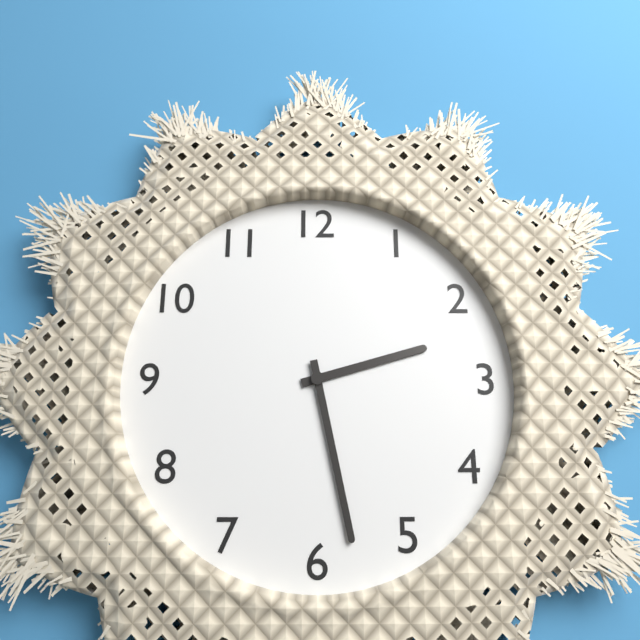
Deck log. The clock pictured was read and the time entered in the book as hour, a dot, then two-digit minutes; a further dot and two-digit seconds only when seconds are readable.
2.28
